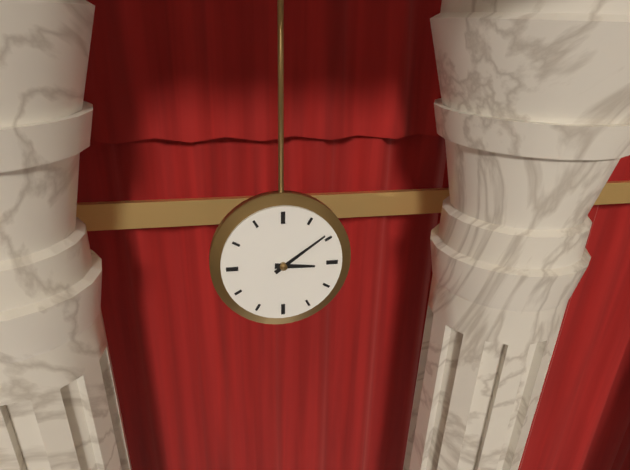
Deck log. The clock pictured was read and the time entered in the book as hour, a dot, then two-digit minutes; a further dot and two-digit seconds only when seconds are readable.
3.09
